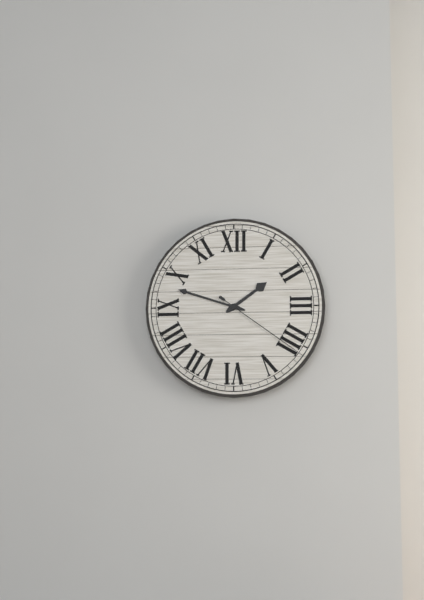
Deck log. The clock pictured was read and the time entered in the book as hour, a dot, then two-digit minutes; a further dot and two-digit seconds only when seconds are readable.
1.48.21
